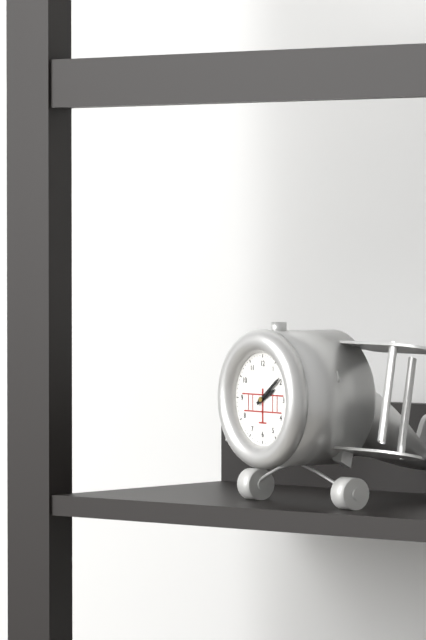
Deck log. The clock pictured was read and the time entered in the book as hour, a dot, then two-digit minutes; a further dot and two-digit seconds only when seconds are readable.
2.09
